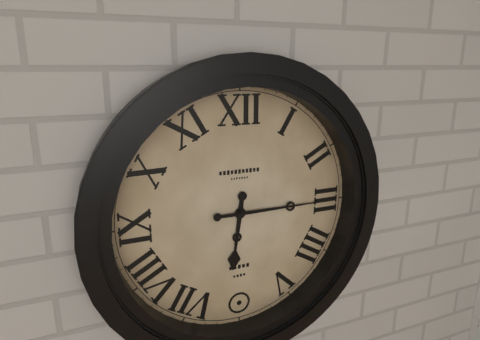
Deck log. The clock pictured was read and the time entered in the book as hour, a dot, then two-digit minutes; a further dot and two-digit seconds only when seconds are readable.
6.15
